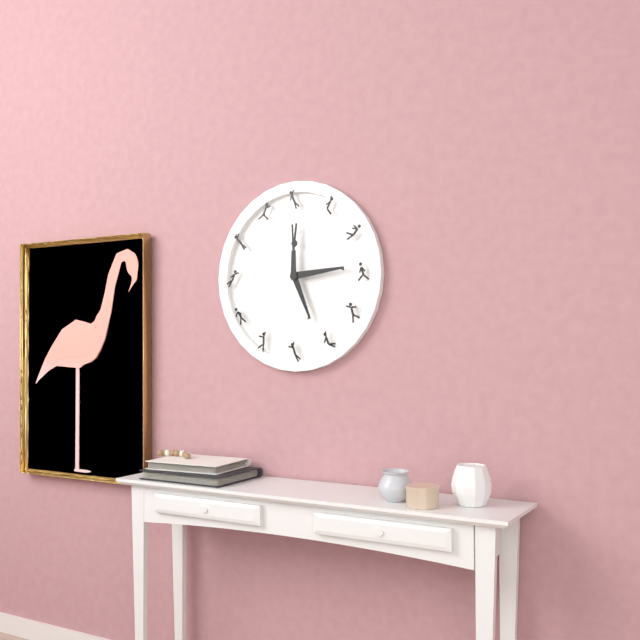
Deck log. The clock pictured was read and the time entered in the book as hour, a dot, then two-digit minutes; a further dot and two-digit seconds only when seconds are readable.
5.14
